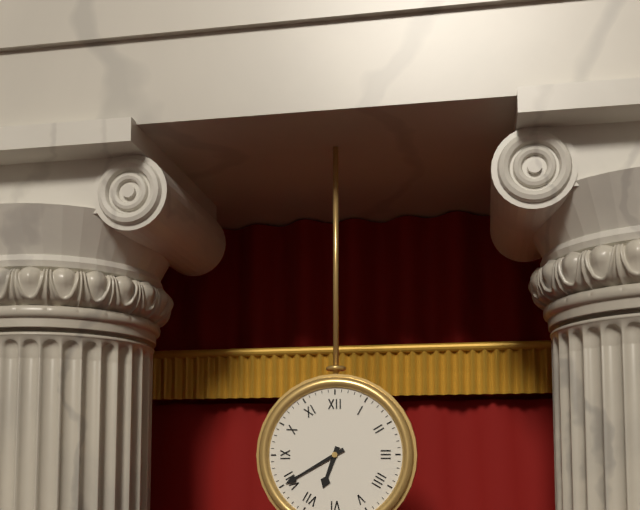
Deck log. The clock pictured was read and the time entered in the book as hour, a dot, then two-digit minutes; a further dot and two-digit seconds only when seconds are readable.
6.40
